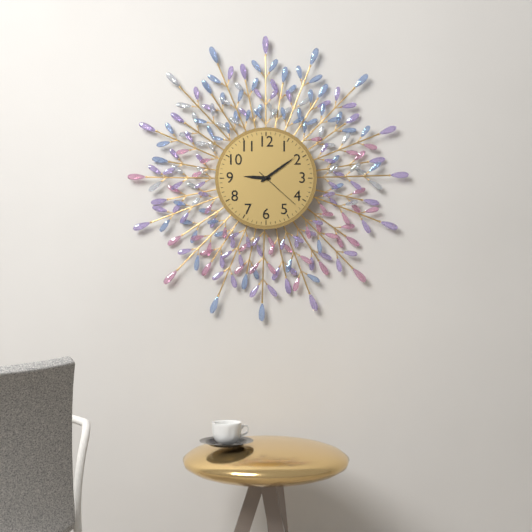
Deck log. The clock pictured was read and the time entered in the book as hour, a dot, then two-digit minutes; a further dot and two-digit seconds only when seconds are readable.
9.09
